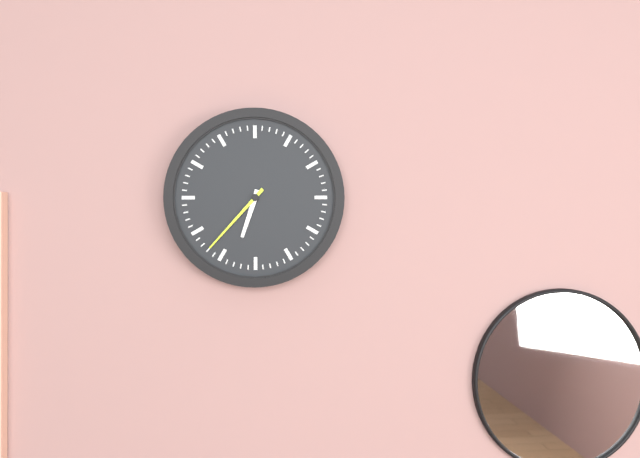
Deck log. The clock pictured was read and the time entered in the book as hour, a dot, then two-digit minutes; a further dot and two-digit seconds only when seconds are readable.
6.37
